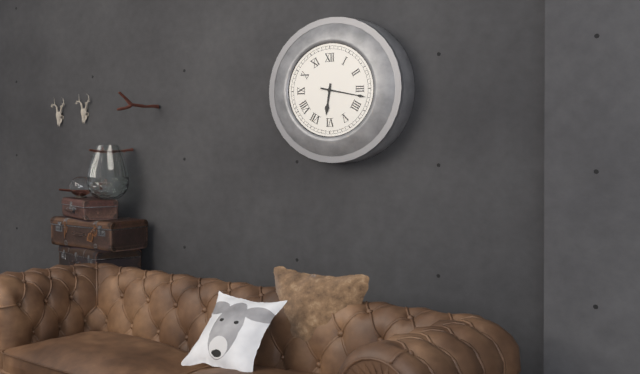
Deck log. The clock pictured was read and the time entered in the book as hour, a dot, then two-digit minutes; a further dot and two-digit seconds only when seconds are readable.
6.17
